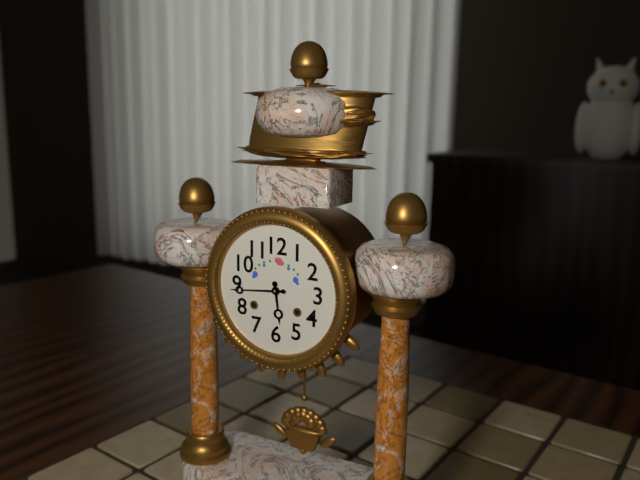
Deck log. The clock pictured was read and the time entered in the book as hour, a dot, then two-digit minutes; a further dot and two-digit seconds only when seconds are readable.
5.44
